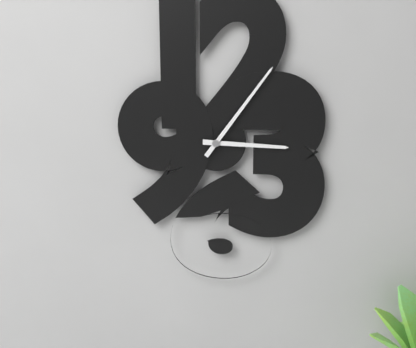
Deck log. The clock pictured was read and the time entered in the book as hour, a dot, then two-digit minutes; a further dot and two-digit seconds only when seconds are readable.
3.06
